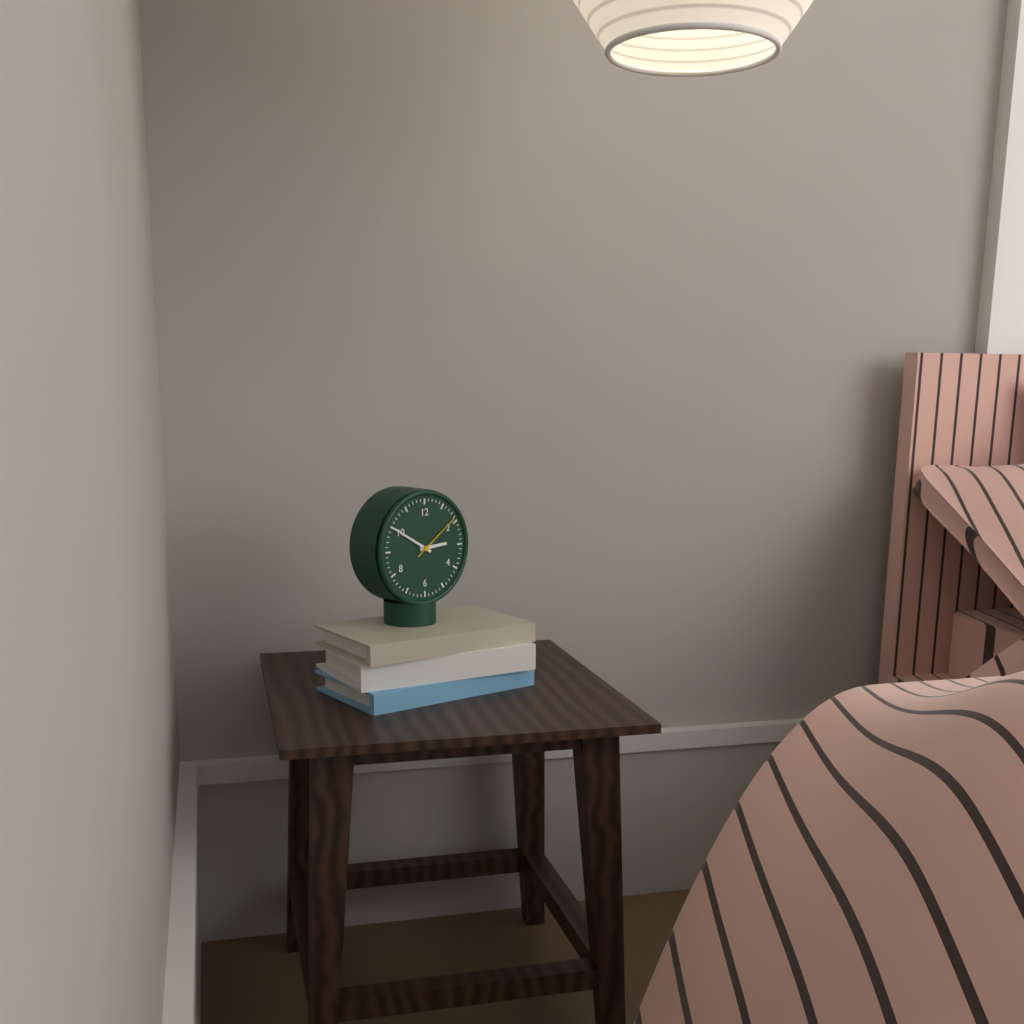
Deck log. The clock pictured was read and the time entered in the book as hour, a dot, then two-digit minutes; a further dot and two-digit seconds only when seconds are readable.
2.50.09
